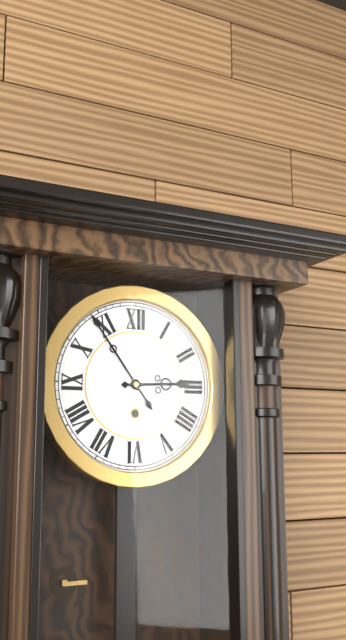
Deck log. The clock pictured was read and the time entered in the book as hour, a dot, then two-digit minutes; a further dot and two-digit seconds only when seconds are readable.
2.54
